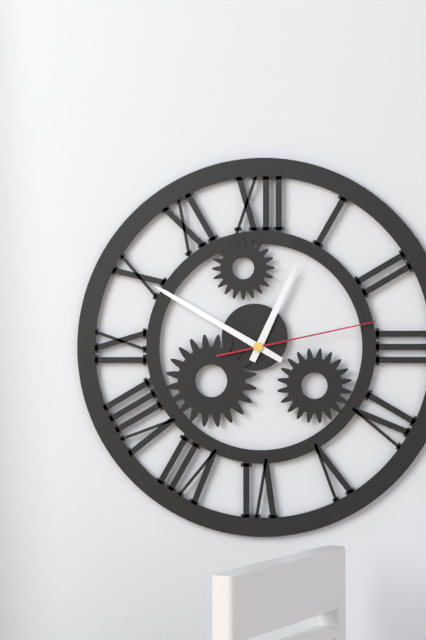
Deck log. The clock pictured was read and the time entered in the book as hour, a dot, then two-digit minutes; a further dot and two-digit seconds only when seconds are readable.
12.50.13
